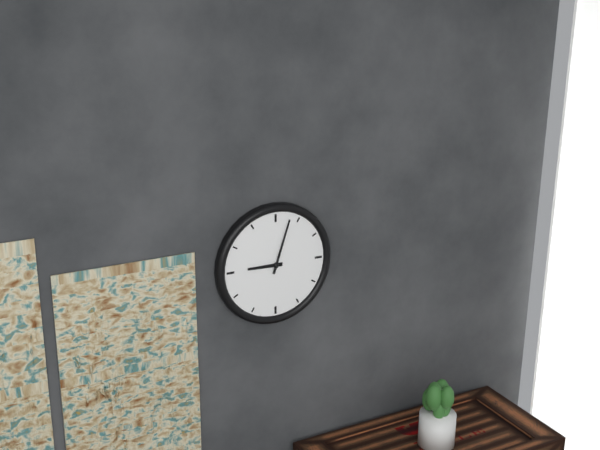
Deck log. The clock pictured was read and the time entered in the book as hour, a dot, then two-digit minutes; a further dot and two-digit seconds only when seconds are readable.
9.03
